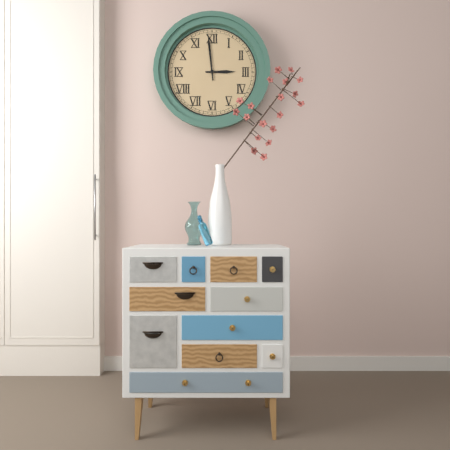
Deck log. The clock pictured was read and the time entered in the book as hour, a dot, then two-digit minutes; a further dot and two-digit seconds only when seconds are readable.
2.59
